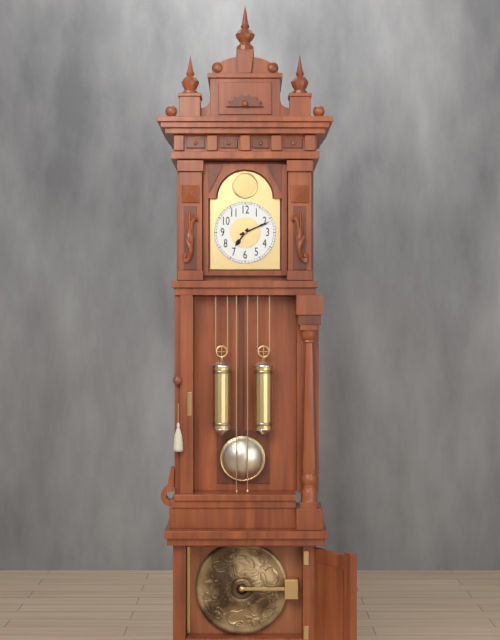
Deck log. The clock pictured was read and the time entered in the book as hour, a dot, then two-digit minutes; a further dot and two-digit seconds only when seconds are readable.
7.11
